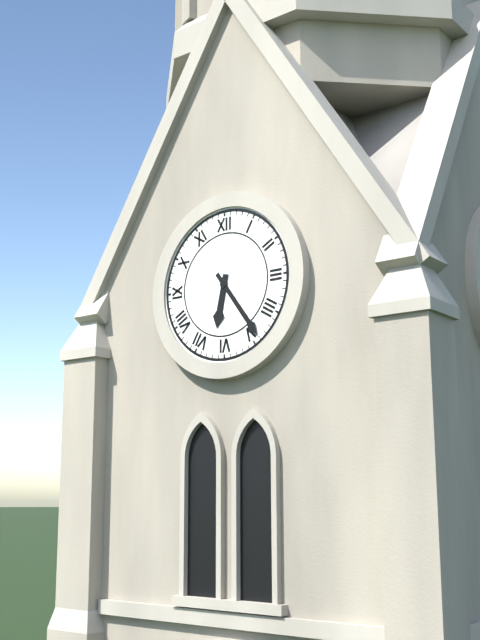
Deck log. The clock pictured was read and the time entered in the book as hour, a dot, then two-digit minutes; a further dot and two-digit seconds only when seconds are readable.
6.24
